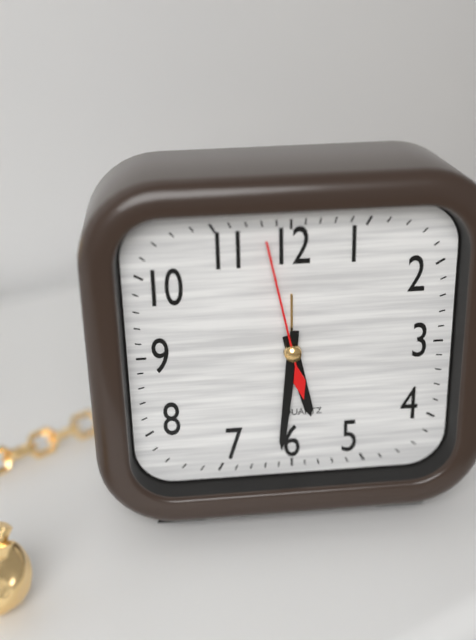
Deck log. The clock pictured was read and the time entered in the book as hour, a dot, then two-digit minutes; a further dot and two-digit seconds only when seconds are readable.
5.31.58
